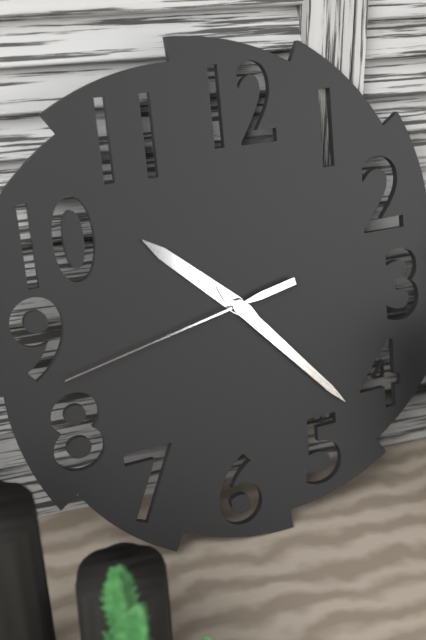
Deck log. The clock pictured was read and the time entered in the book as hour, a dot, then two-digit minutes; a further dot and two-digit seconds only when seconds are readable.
10.23.43
